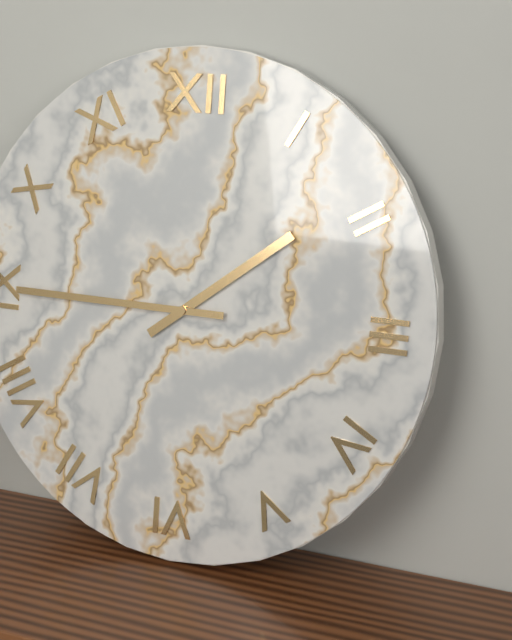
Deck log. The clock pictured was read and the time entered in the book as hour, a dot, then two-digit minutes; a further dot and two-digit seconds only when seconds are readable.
1.45
